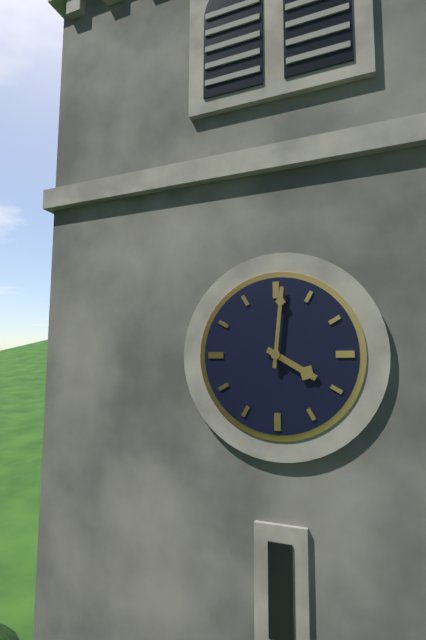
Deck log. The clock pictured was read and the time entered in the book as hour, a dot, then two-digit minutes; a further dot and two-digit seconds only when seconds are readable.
4.01
